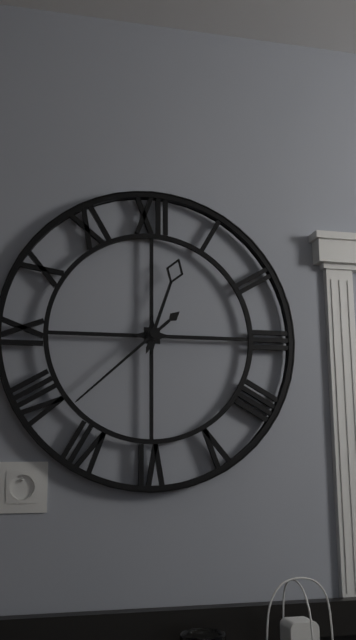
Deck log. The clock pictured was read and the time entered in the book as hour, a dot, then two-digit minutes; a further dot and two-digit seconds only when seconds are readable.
12.38
